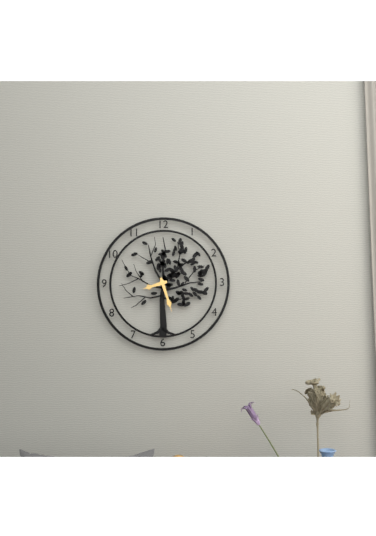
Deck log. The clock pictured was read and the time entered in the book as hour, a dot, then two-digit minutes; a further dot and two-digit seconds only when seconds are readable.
8.27
